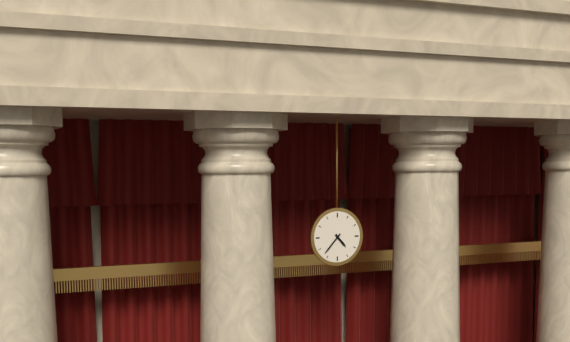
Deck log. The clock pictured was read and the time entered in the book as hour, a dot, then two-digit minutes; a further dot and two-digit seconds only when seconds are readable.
4.37
